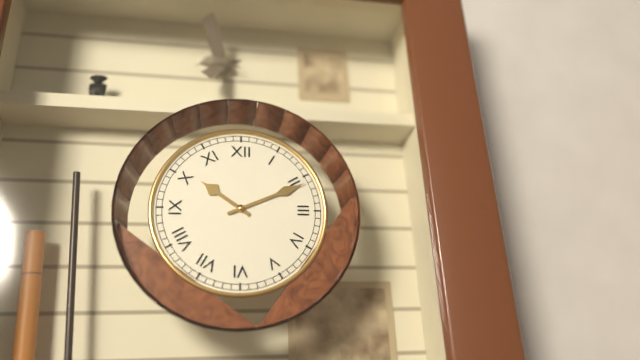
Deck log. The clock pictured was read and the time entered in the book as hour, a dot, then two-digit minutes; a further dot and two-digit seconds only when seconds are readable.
10.11
